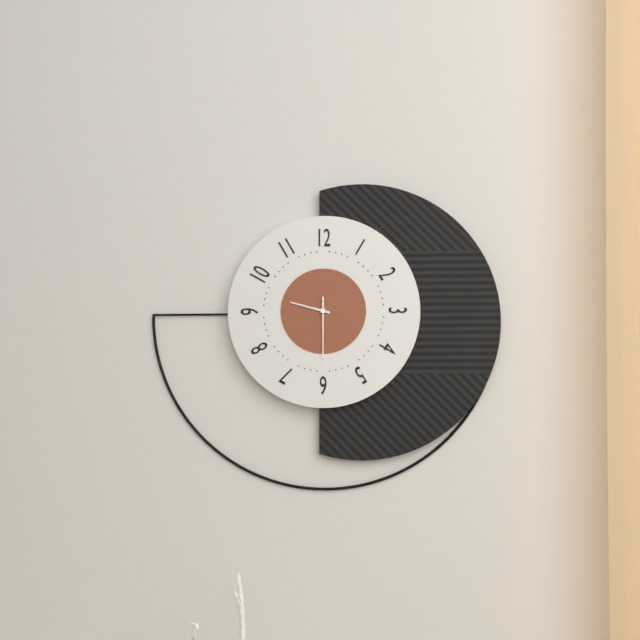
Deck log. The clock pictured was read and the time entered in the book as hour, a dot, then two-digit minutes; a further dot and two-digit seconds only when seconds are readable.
9.30
